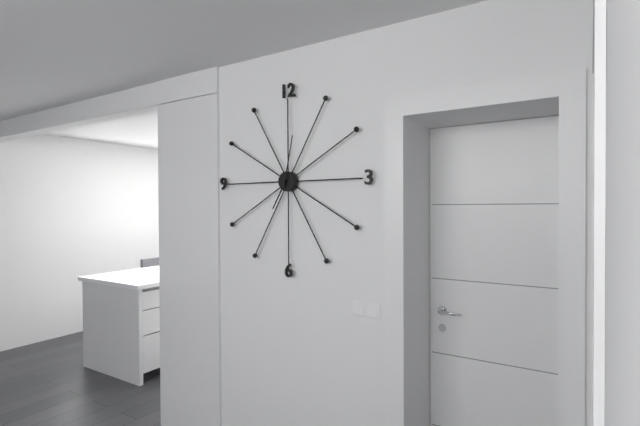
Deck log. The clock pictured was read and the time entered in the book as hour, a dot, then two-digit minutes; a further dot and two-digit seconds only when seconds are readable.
7.02
